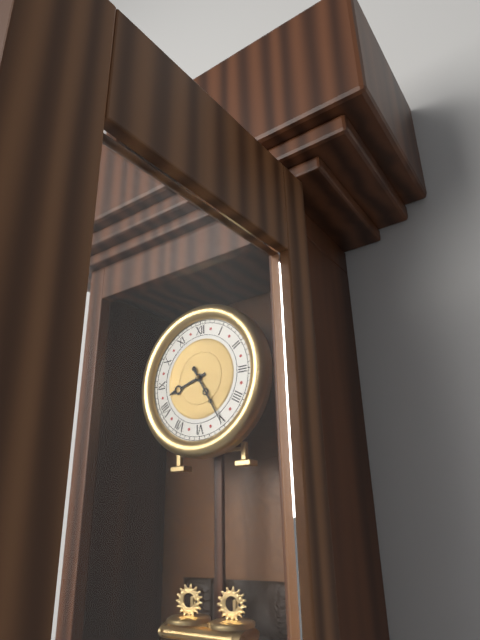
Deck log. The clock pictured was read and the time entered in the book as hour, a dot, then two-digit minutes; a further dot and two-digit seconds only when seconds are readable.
8.25
